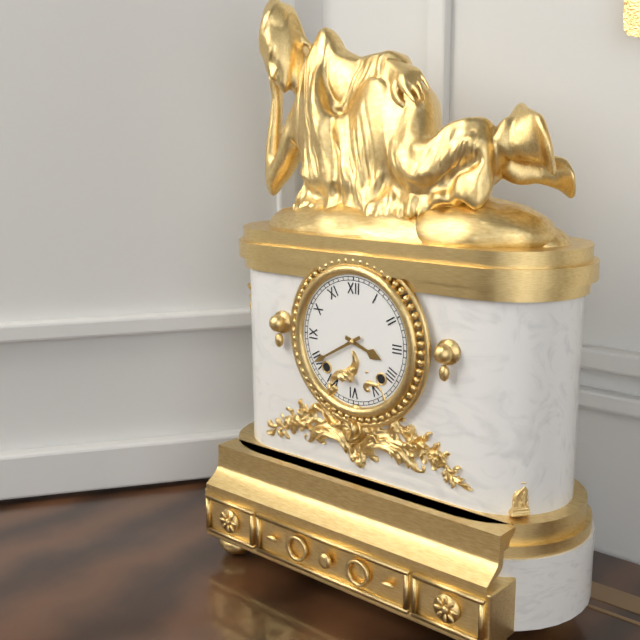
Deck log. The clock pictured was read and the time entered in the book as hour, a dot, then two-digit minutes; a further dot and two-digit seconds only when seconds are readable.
3.40
